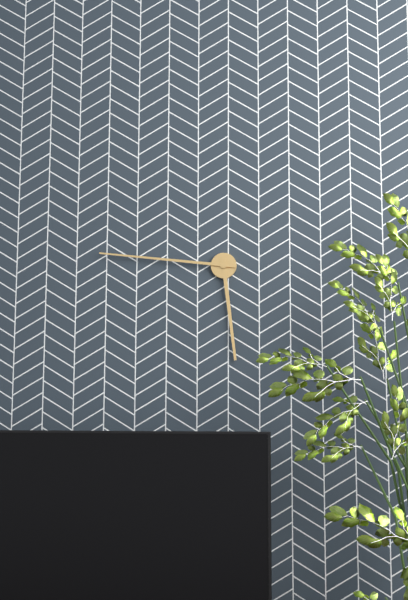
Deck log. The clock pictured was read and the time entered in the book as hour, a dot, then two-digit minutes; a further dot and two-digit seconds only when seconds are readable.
5.46
